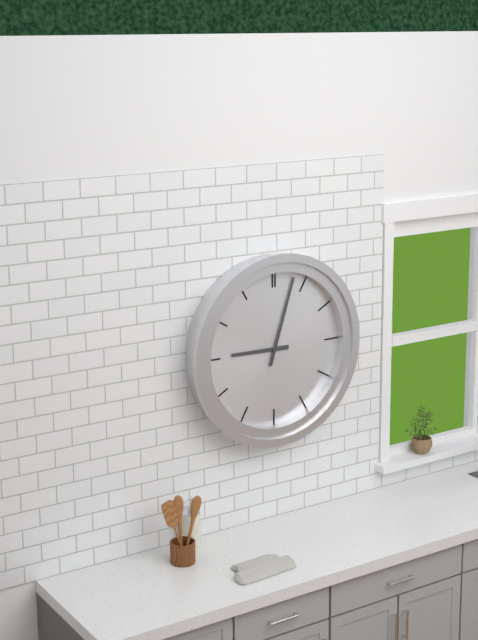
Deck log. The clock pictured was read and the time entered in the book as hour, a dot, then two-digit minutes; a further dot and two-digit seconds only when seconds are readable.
9.03
